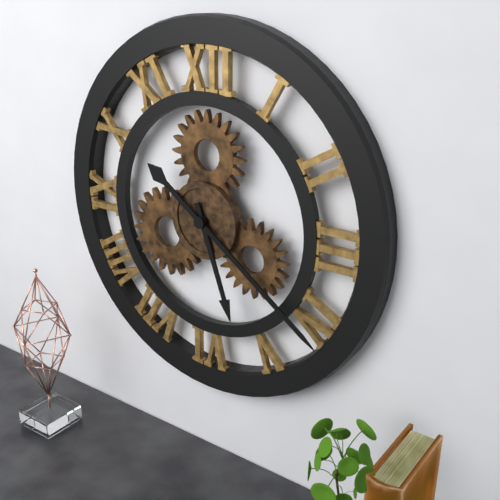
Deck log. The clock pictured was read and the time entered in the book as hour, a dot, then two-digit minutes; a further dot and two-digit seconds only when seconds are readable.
5.21
